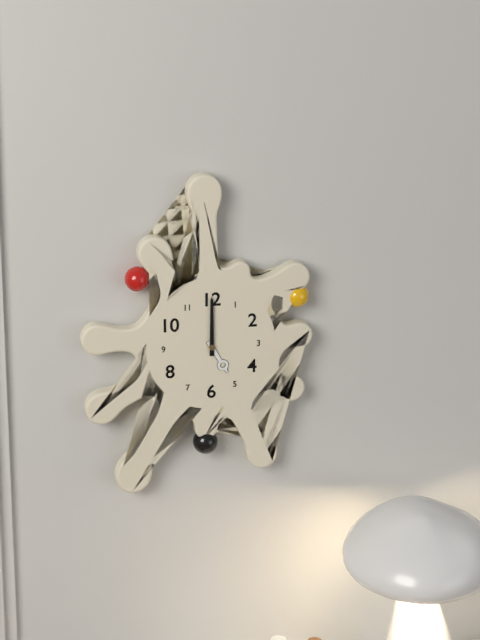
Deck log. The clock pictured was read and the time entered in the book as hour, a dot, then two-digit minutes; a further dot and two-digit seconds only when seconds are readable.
5.00
